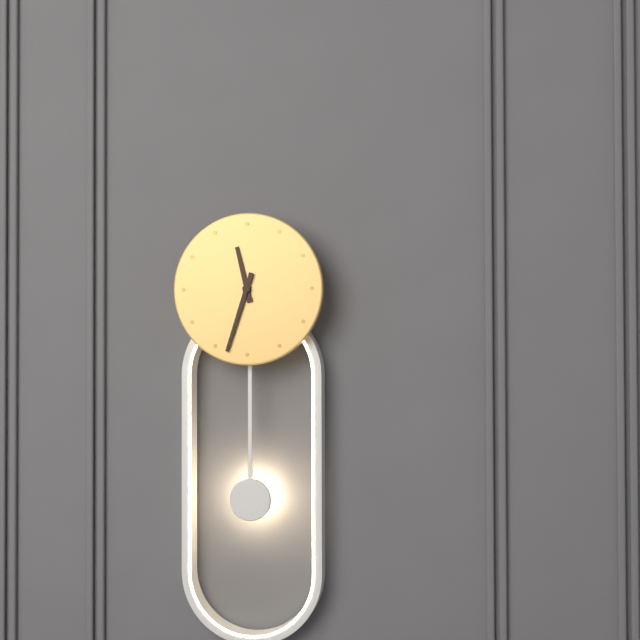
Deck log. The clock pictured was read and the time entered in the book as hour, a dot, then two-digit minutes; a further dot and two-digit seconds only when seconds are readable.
11.33
